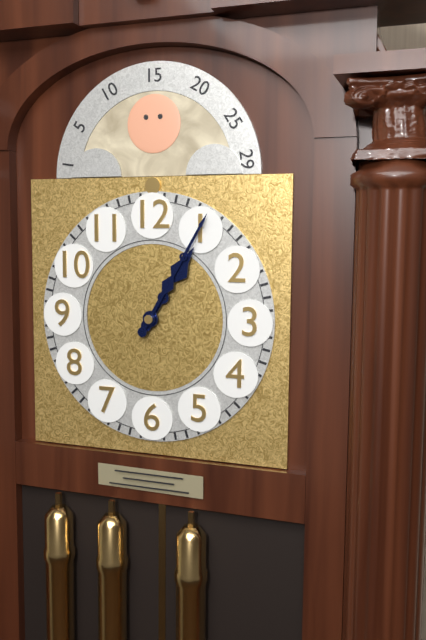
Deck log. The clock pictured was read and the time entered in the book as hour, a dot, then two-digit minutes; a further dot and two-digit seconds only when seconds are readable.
1.05
